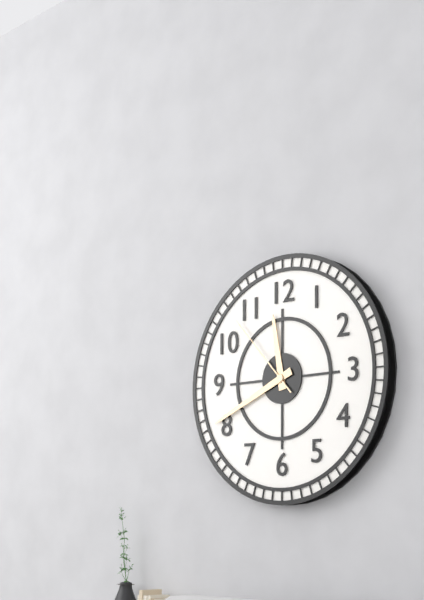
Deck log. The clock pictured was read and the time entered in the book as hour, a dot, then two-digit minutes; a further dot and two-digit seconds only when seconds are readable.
11.41.53
